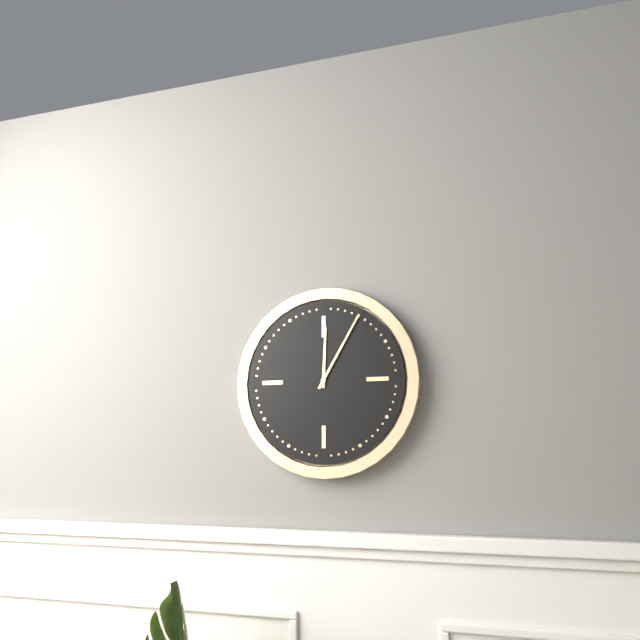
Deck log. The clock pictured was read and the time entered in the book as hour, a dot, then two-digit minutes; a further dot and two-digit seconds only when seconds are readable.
12.05
